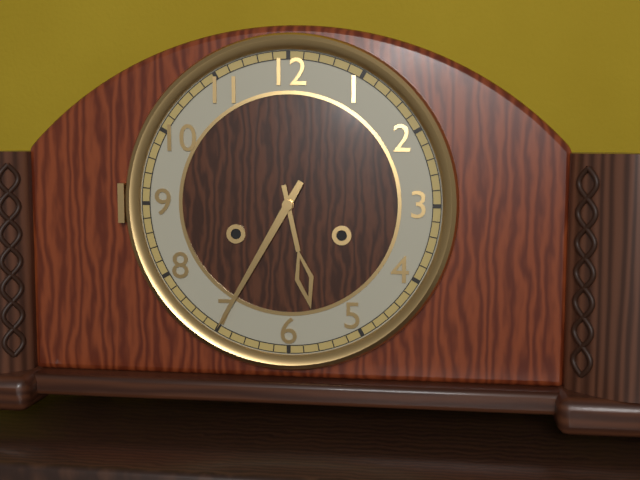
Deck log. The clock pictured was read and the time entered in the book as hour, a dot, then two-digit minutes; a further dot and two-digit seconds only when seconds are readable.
5.35
